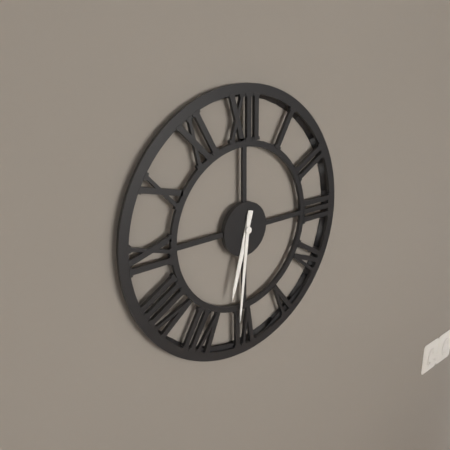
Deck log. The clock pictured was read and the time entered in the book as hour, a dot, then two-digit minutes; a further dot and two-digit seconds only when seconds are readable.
6.31
